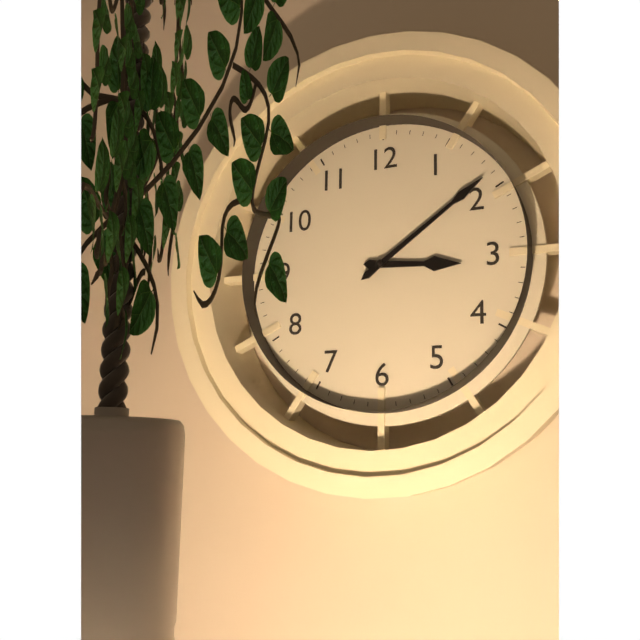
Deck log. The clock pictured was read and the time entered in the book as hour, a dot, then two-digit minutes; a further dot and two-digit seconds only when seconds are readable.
3.09
